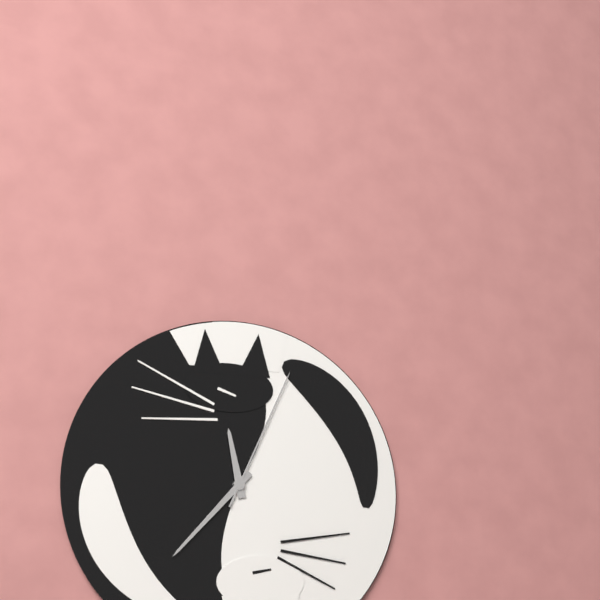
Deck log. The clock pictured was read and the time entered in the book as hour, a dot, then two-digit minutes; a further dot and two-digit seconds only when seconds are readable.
11.37.04
